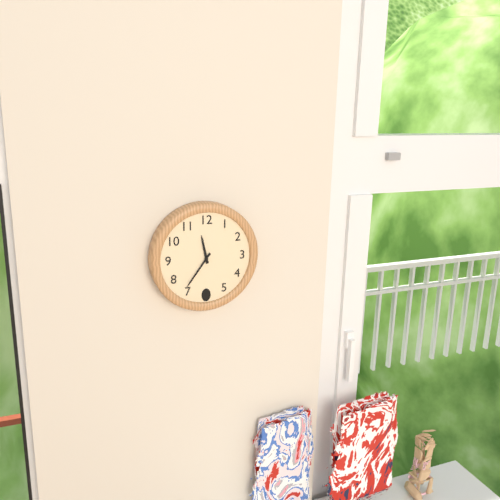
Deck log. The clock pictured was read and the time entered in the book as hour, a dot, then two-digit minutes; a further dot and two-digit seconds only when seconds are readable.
11.36
